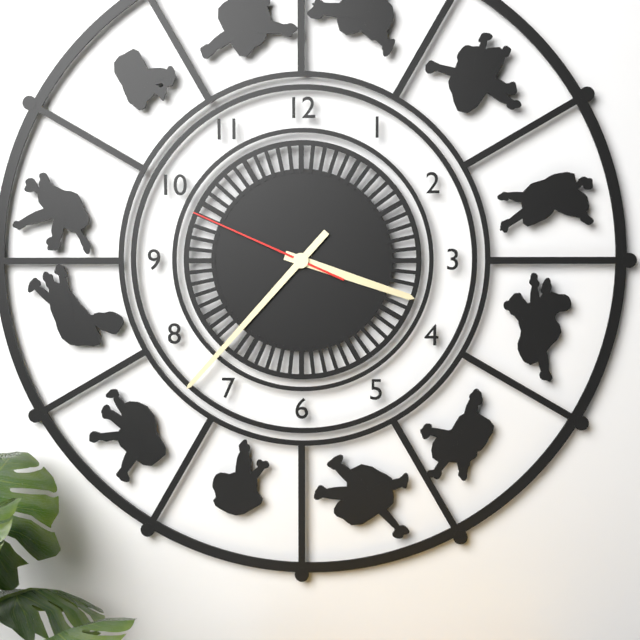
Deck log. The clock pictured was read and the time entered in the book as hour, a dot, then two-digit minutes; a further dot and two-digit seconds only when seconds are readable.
3.37.49
